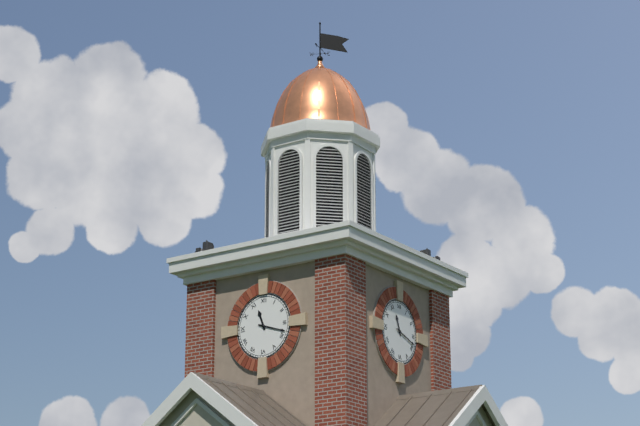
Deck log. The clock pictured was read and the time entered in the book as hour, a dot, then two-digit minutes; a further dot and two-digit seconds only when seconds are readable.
11.18
